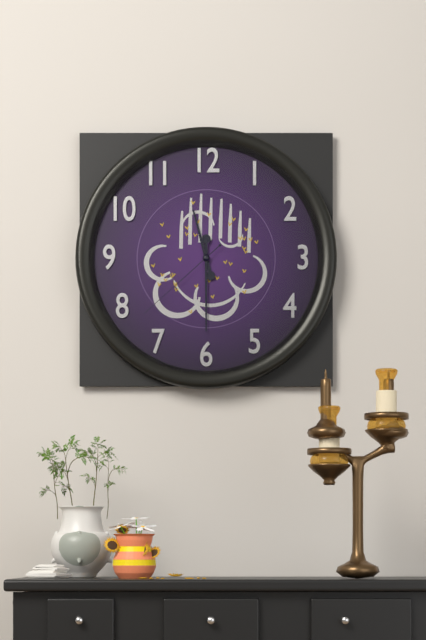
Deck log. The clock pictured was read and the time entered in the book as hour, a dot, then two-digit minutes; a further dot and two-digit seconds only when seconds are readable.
11.30.38
